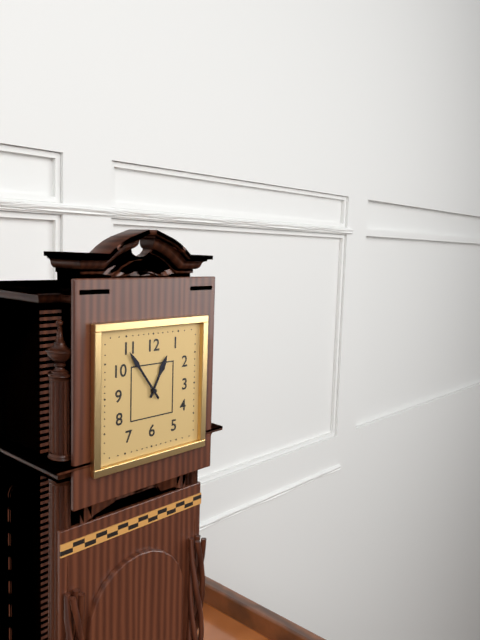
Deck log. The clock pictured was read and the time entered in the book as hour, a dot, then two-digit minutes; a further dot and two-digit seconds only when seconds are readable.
12.54
